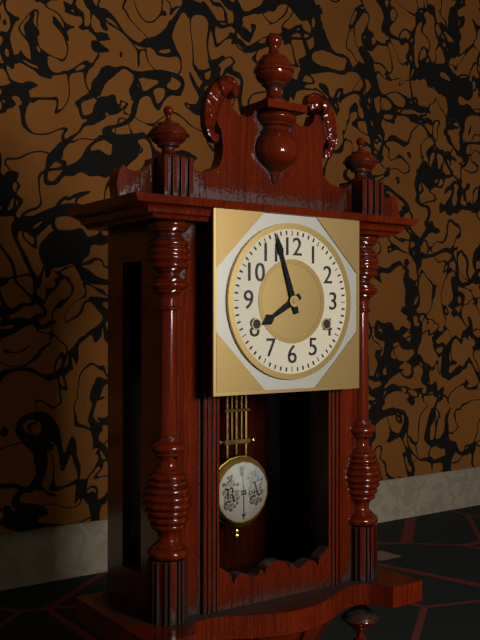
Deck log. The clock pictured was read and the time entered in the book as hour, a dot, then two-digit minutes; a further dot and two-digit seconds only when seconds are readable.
7.57
